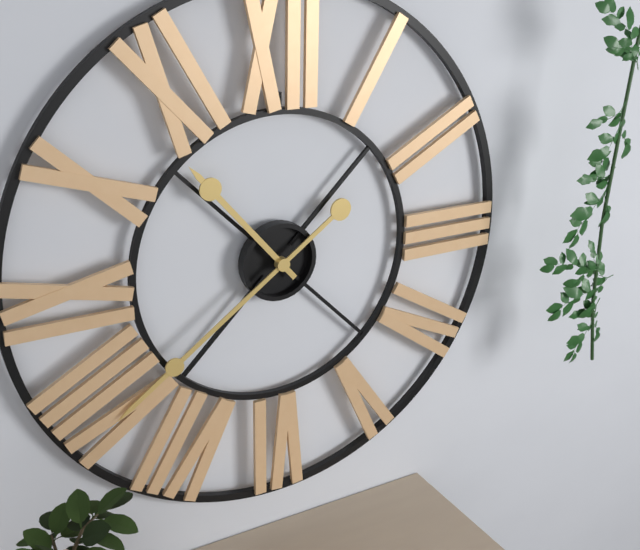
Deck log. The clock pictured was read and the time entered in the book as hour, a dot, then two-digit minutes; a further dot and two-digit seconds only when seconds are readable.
10.39
